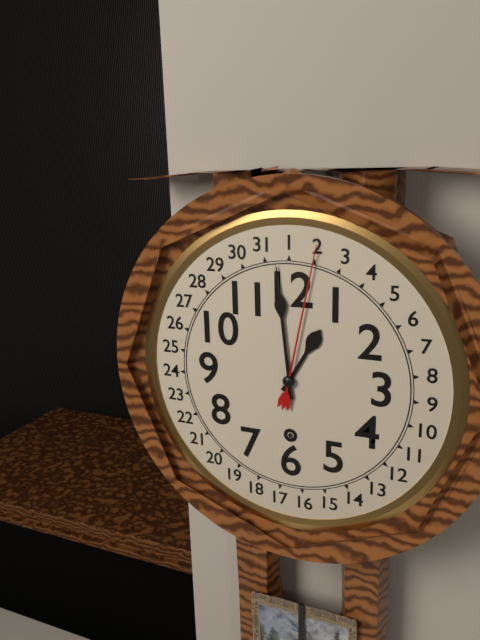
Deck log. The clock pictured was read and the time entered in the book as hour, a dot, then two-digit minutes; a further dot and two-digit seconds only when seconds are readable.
12.59
